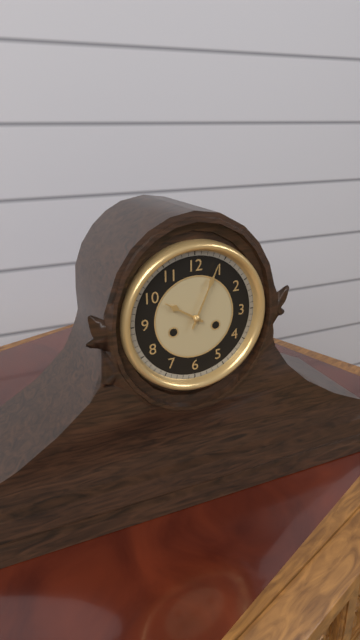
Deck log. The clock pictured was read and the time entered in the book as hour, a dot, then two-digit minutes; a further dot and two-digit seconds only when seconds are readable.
10.04
